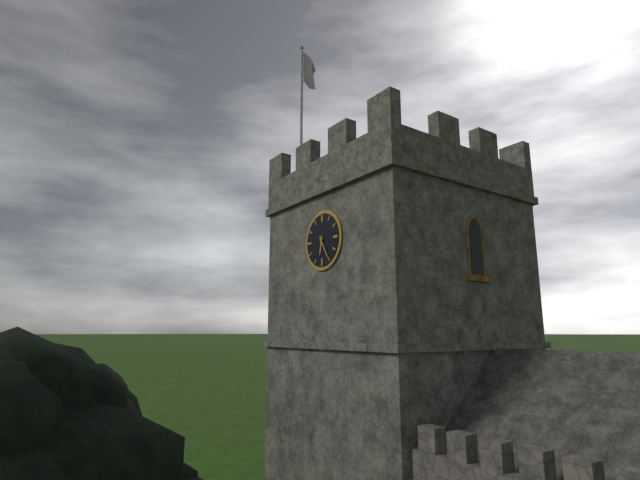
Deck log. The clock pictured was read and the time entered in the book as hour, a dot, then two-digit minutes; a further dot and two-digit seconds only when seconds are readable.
6.25
